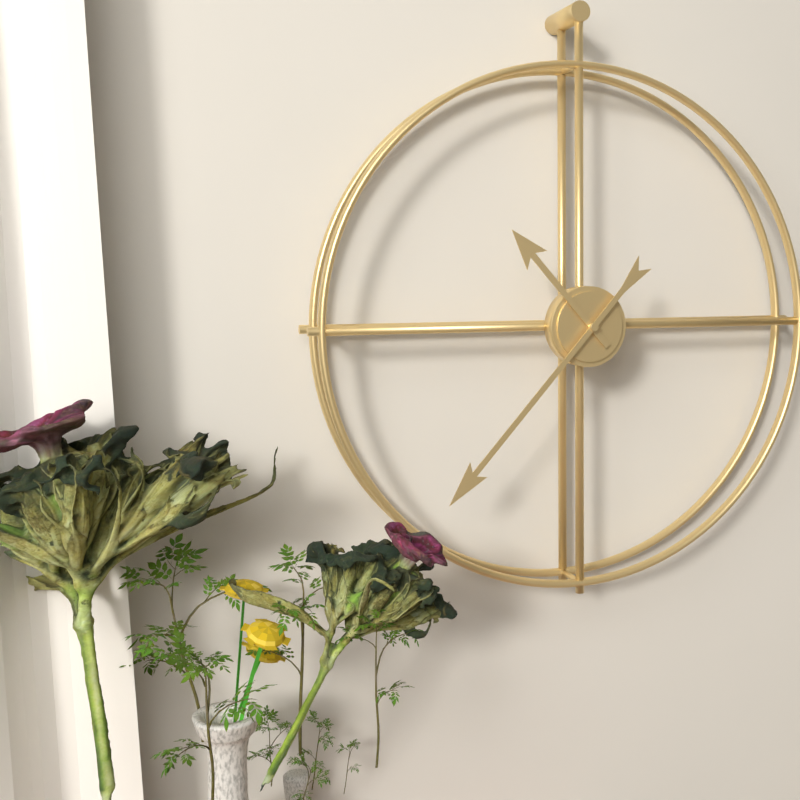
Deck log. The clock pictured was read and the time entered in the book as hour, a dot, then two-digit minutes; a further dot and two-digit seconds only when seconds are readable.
10.37
